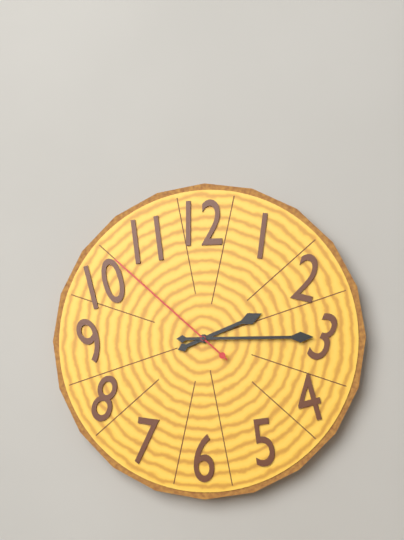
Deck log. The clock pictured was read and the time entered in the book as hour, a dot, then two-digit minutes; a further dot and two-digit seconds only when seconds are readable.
2.15.52
